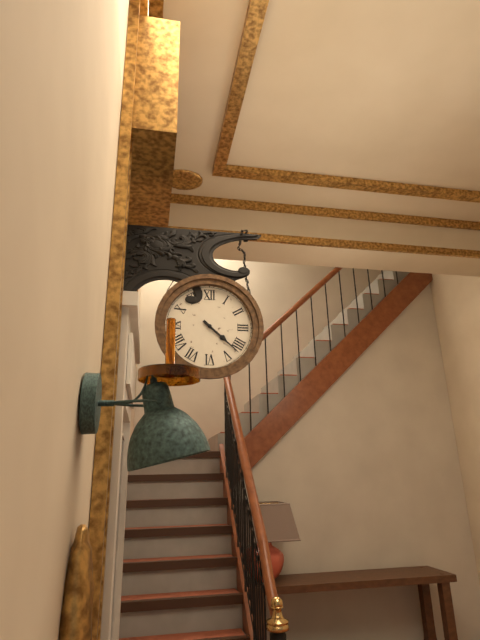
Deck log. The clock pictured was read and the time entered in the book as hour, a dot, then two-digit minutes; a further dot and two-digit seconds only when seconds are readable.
4.22
